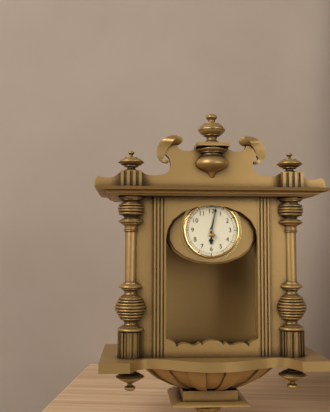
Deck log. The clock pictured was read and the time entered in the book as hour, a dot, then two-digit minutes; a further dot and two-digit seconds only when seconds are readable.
6.02
